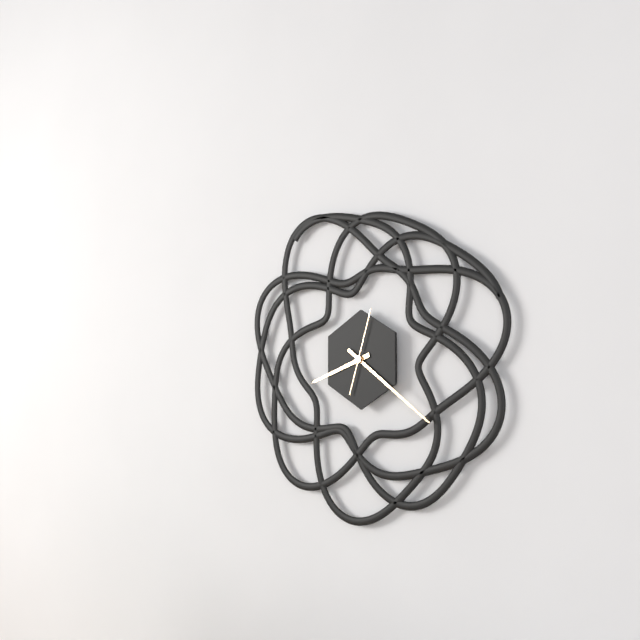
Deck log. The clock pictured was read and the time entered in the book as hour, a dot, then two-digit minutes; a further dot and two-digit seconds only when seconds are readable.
8.21.03
